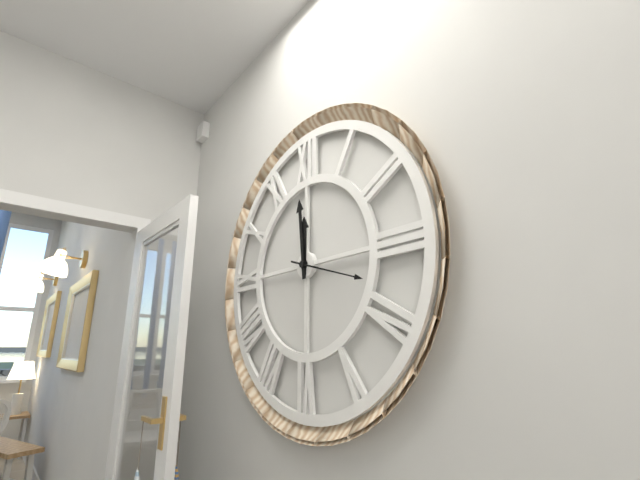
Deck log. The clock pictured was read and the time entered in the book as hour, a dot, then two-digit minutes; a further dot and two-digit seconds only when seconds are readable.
11.59.18
